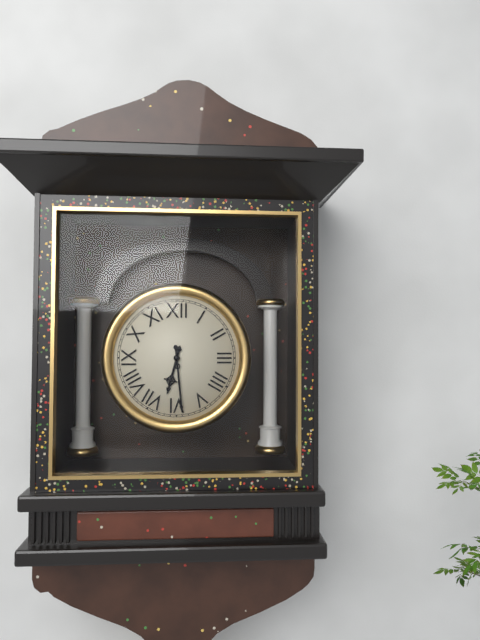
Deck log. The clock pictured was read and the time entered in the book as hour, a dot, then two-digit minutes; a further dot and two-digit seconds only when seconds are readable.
6.29
